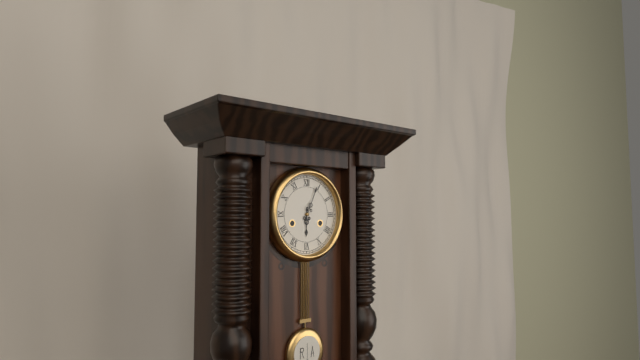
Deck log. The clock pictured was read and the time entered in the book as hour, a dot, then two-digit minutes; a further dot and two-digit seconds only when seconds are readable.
6.04
